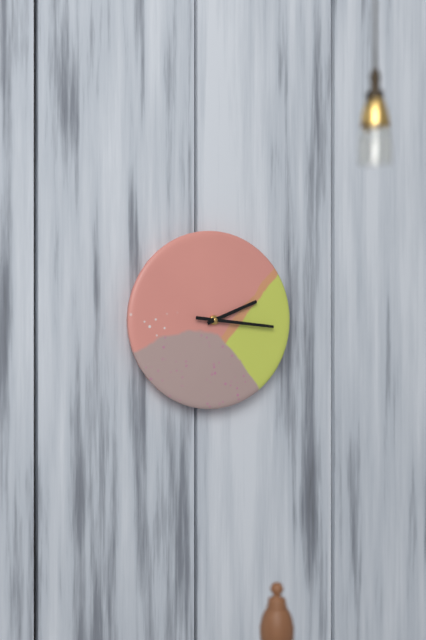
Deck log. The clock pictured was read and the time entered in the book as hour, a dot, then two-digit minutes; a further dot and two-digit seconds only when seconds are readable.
2.16
